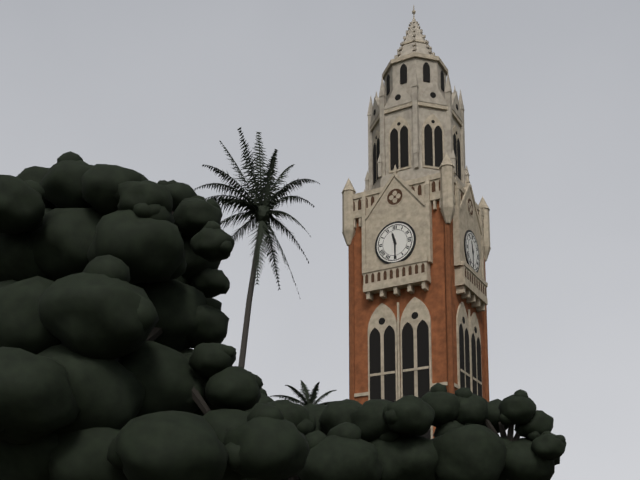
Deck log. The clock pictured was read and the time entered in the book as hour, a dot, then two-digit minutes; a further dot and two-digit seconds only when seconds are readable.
11.30
